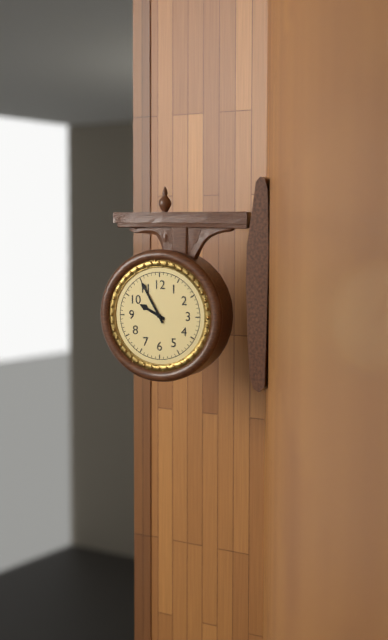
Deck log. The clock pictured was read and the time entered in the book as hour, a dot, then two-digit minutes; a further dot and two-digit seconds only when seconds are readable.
9.55
